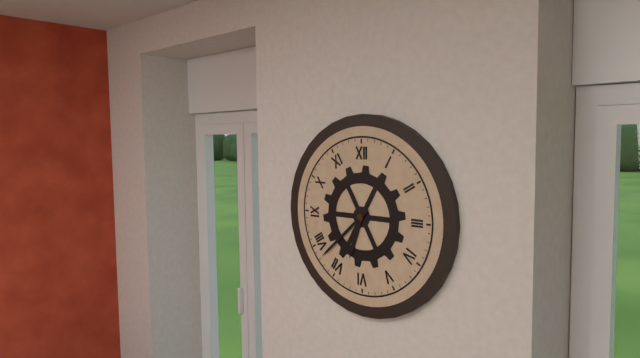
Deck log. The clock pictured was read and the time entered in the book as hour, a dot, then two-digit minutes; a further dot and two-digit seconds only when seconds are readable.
6.38
